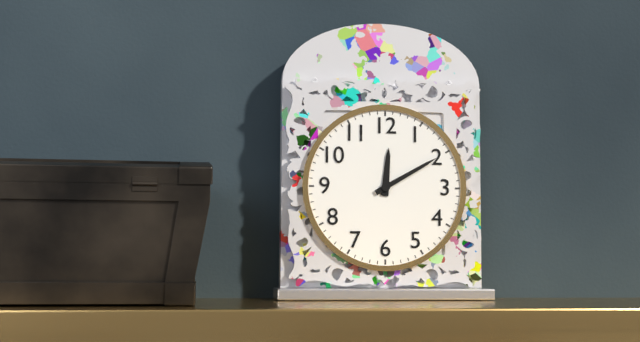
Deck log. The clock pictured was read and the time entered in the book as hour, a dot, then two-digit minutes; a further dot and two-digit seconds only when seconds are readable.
12.10
